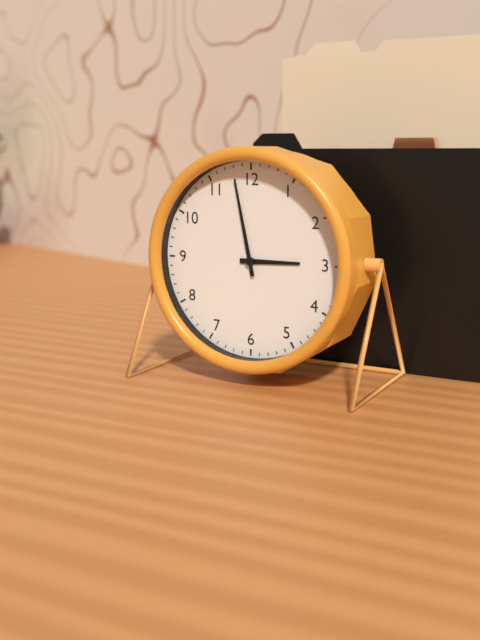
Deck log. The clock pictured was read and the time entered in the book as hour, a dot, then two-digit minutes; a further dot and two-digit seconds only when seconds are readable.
2.58
